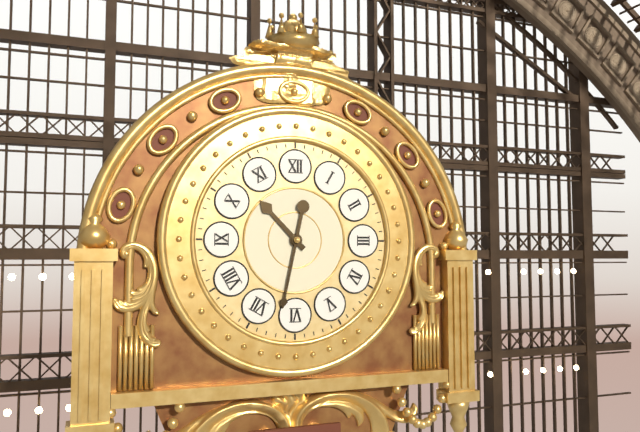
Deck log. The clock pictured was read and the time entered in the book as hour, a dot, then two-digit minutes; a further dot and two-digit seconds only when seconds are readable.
10.32
